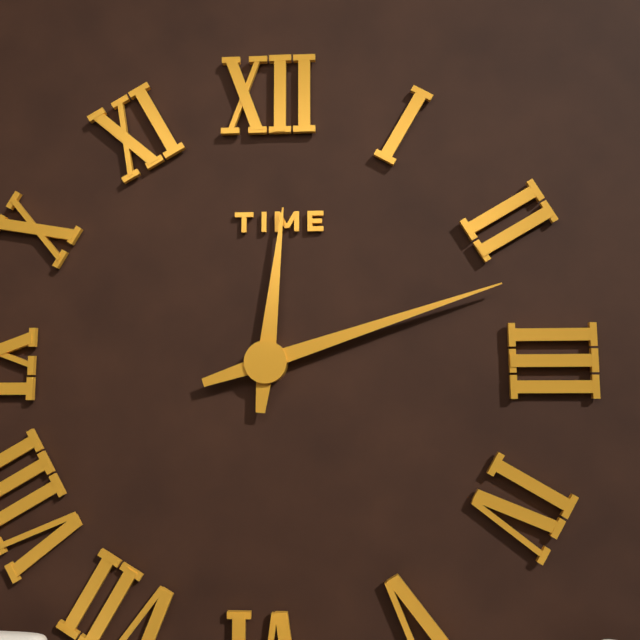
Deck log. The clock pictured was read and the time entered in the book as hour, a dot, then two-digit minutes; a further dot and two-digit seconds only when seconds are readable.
12.12
